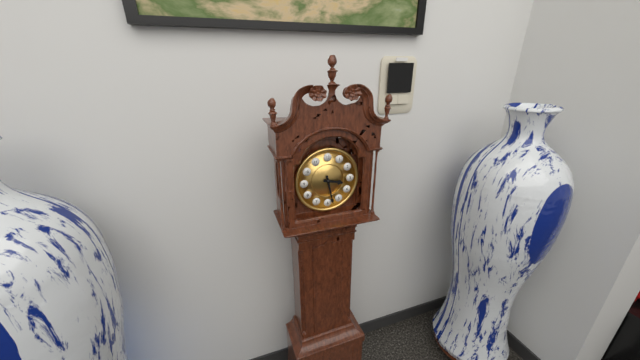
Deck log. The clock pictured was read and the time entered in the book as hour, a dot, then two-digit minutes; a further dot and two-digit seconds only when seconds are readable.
3.28
